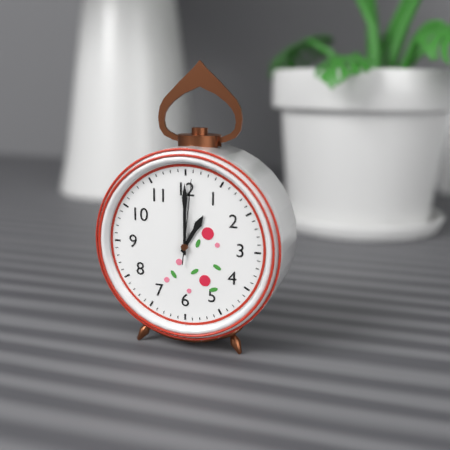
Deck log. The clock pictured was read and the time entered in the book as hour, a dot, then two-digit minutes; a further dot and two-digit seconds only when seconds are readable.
1.00.01
